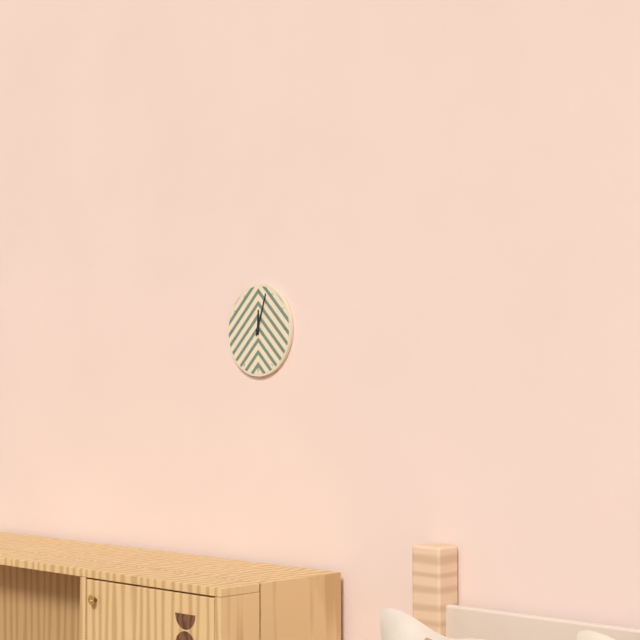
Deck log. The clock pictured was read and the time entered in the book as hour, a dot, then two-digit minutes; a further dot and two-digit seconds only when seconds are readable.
12.03
